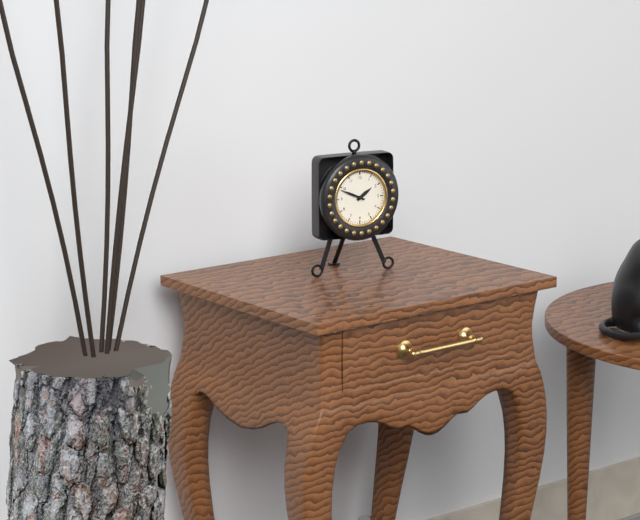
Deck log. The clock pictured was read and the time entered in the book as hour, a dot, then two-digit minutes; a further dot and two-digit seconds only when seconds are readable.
1.49
